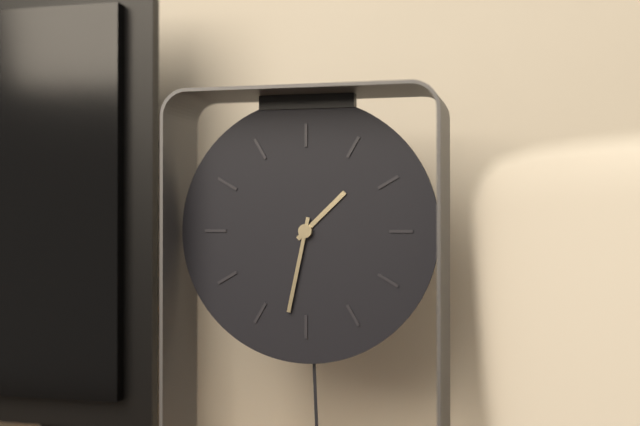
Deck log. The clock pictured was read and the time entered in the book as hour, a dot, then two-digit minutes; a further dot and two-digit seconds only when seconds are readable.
1.32
